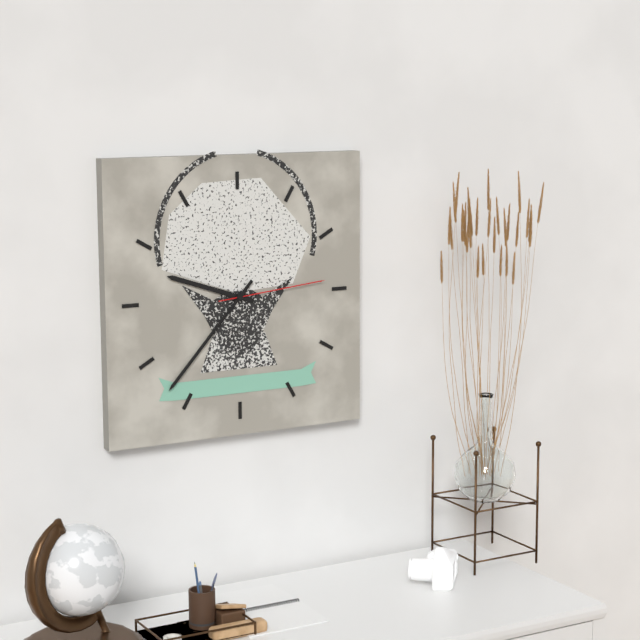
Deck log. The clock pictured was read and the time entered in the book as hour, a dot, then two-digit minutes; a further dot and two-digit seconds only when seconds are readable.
9.37.14
